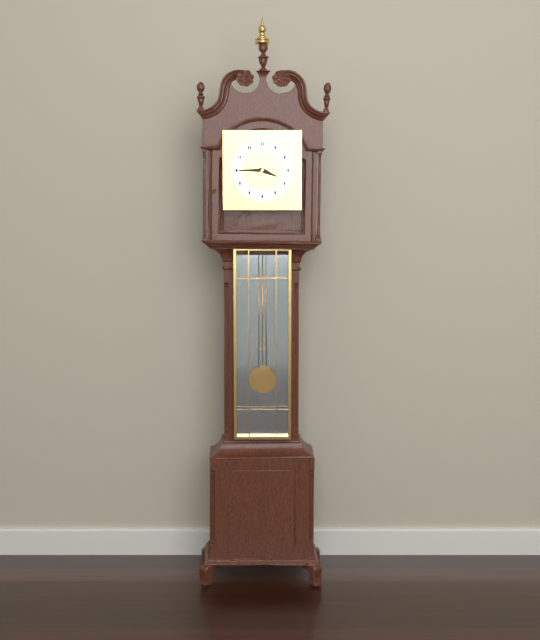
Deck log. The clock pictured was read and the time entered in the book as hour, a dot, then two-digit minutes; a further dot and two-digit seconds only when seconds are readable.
3.45
